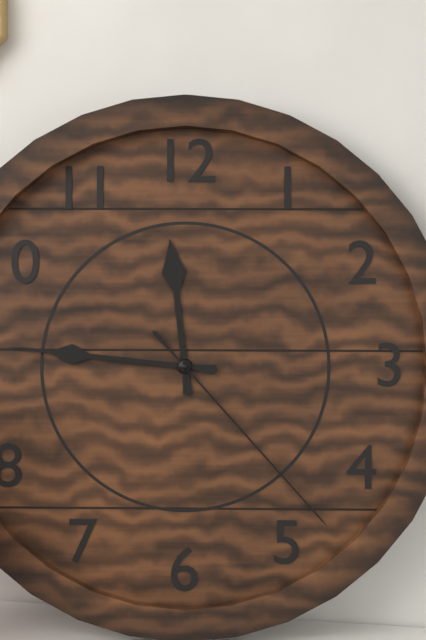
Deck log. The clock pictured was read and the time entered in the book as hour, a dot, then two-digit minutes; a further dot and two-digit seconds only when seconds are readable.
11.46.23
